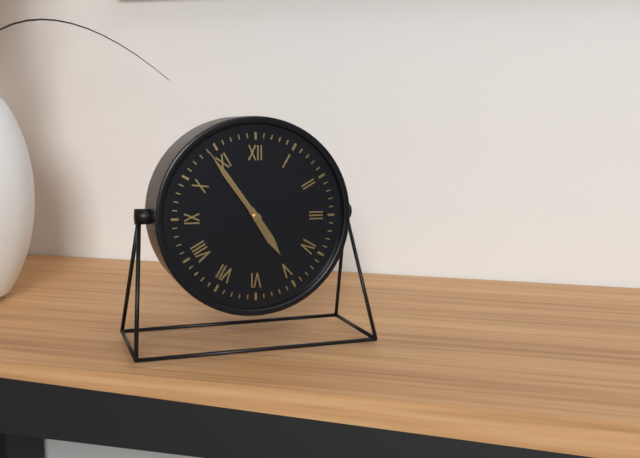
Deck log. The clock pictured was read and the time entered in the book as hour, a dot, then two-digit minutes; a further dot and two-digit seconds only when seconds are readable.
4.54.54
